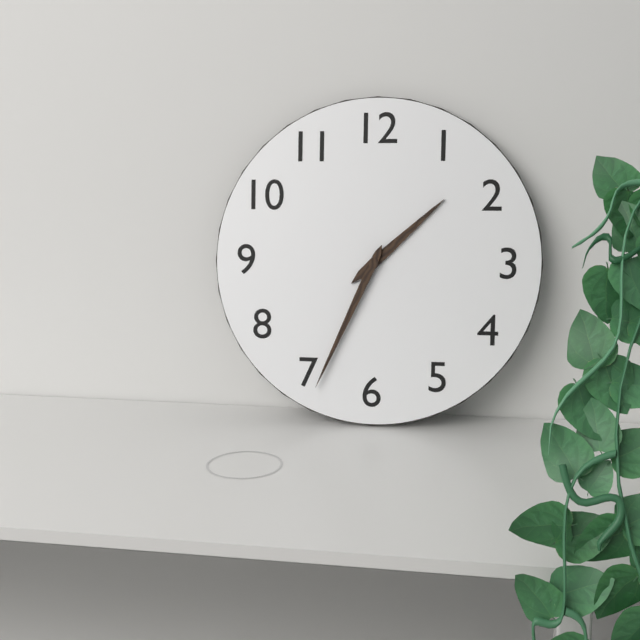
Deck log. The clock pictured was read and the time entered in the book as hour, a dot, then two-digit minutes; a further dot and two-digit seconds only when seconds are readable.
1.34
